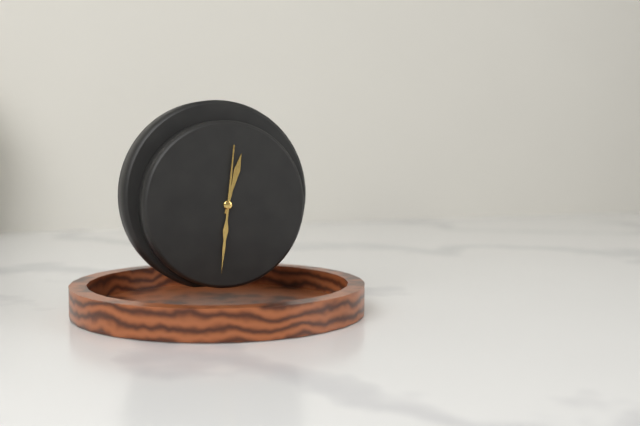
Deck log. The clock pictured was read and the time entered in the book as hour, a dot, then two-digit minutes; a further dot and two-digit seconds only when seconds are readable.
12.31
